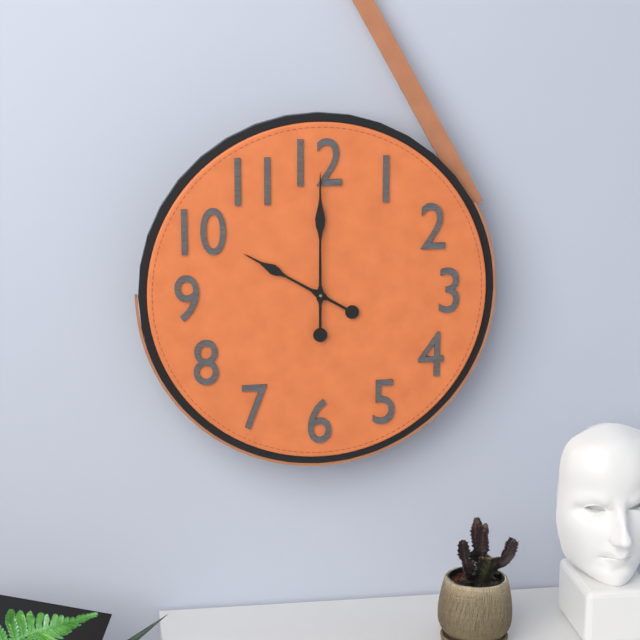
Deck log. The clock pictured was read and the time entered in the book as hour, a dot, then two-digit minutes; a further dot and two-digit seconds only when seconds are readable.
10.00
